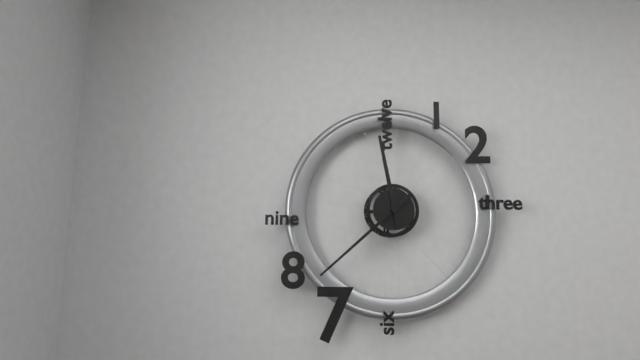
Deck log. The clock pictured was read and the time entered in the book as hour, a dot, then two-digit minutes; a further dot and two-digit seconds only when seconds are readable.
11.38
